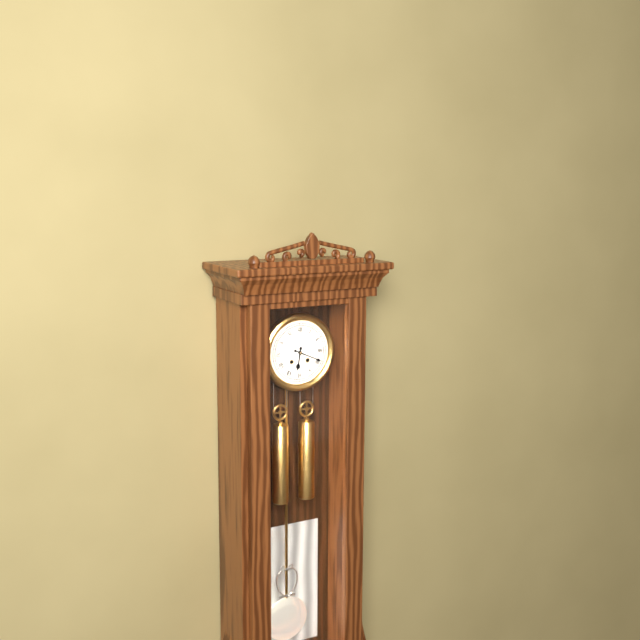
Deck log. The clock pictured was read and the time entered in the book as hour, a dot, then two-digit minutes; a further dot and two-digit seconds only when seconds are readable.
6.19
